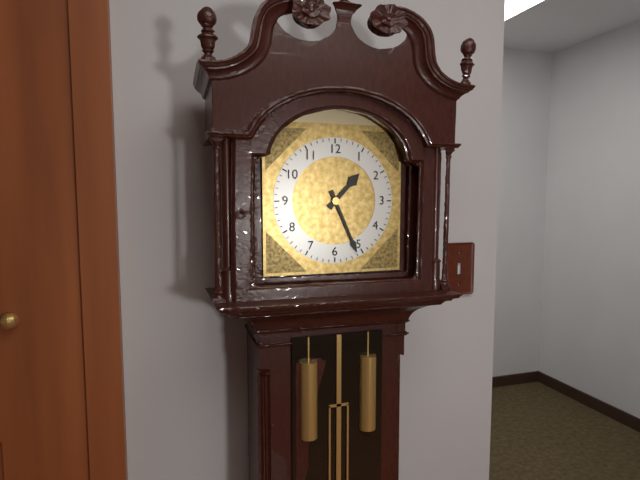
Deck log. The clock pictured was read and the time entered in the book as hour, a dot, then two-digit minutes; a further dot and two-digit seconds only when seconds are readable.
1.26
